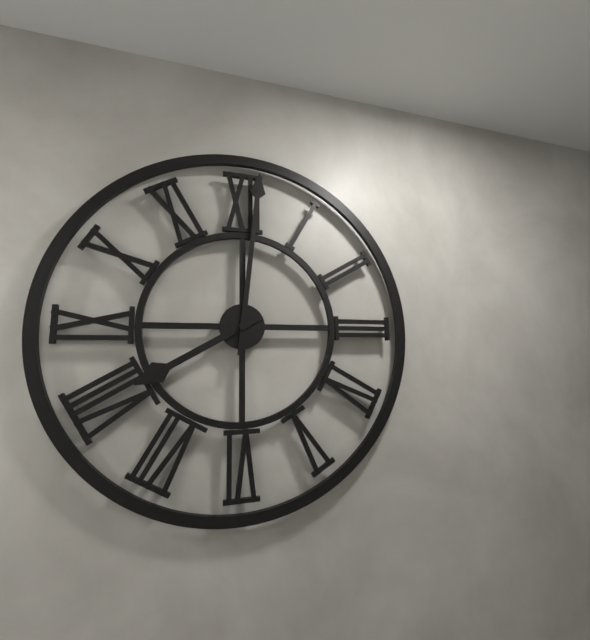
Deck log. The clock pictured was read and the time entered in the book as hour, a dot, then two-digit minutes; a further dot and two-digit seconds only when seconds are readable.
8.01
